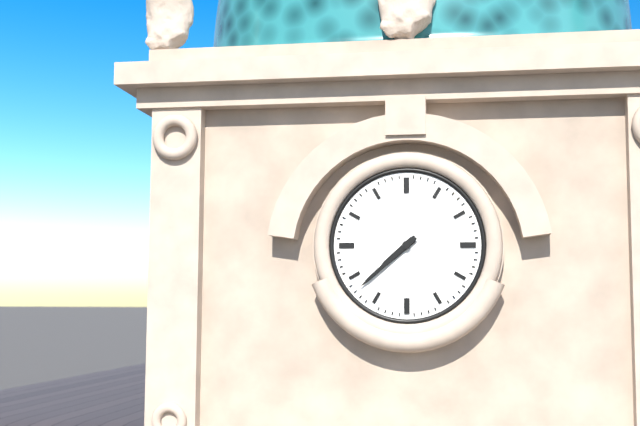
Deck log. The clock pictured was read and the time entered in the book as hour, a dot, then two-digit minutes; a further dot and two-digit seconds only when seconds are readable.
7.38
